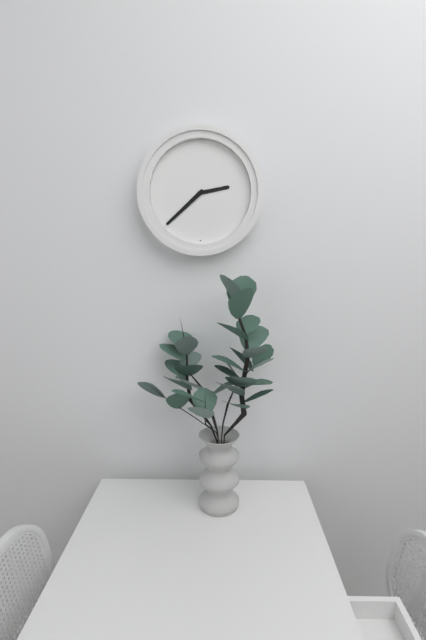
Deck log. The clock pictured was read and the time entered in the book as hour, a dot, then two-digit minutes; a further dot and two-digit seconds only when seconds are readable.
2.38
